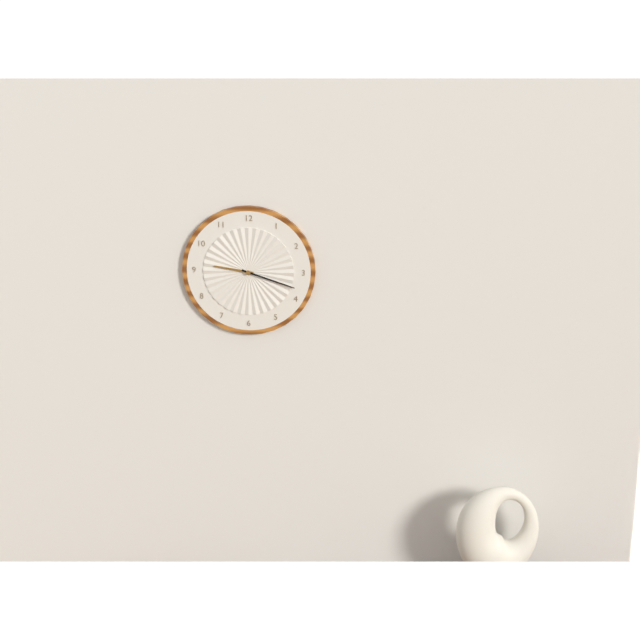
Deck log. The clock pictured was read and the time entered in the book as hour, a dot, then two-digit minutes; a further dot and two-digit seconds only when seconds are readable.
9.18
